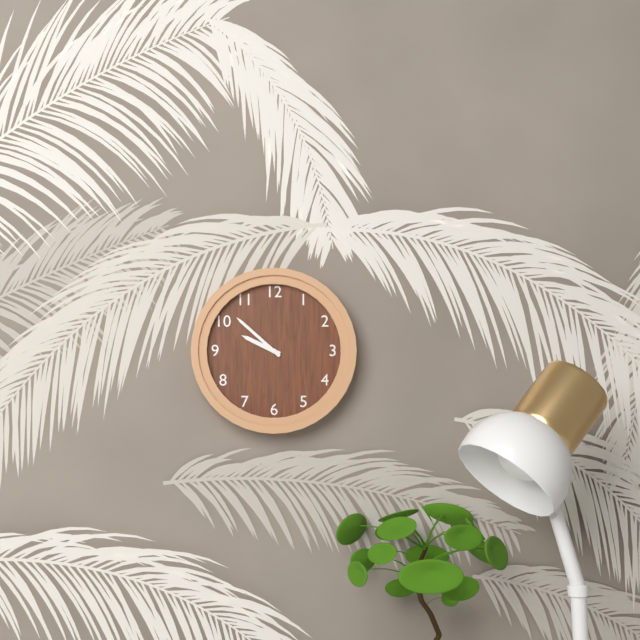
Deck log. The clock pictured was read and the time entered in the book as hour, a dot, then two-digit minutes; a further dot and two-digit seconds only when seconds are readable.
9.52
